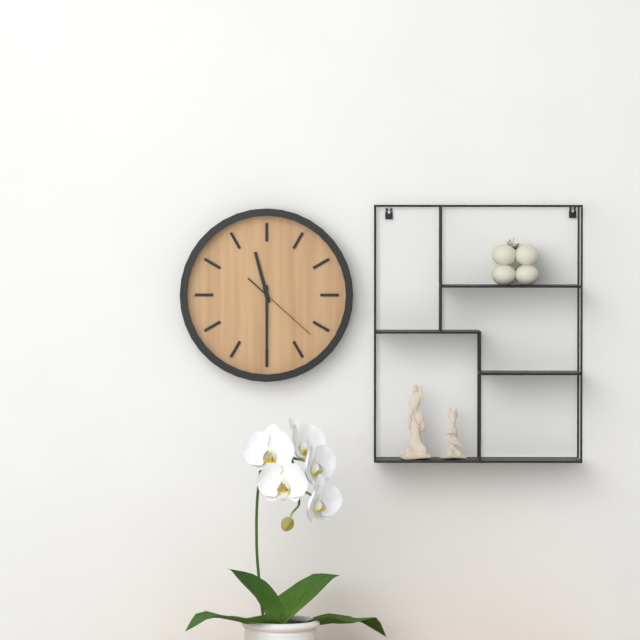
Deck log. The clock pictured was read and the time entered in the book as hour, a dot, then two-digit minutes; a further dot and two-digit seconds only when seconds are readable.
11.30.22
